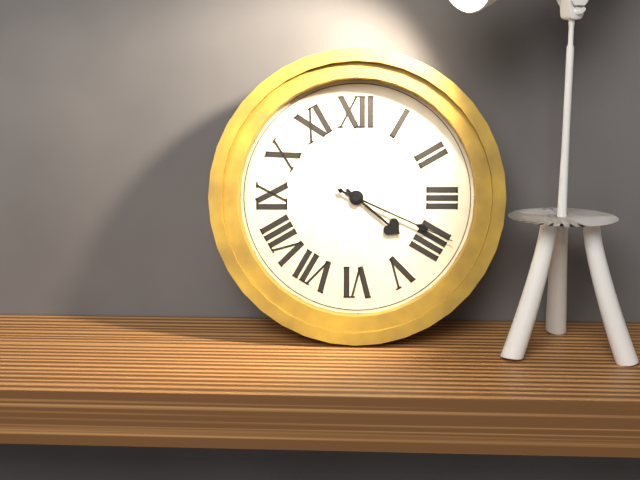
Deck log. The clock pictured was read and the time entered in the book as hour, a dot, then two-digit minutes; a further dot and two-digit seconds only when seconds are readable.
4.19
